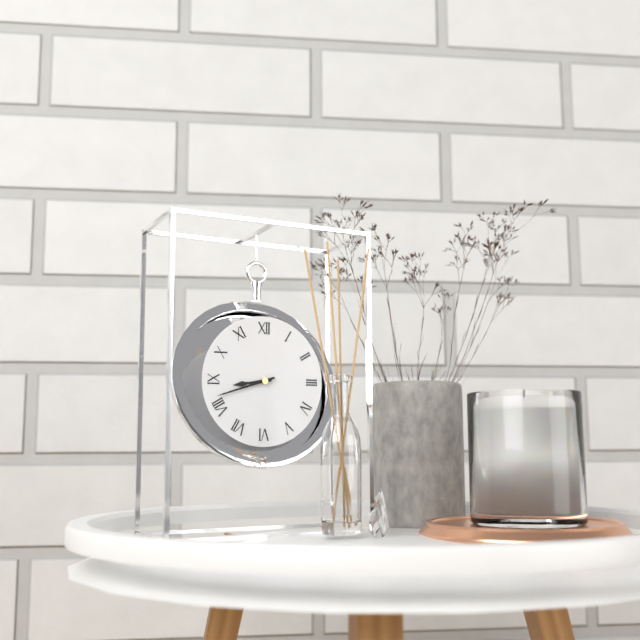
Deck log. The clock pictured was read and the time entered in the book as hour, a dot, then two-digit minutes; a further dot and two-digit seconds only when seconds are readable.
8.42
